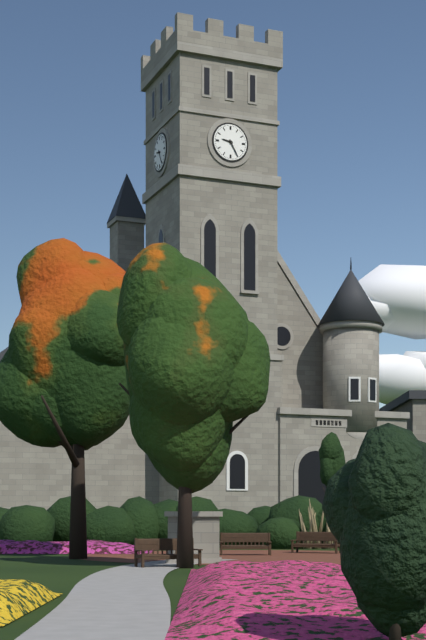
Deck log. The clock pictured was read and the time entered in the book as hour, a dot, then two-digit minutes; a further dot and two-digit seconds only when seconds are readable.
9.25
